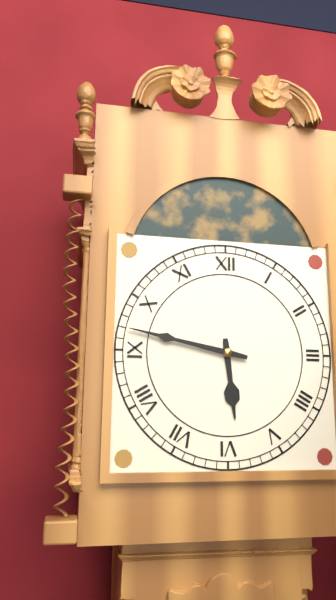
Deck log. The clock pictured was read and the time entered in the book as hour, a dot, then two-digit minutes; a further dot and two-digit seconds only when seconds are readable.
5.47
